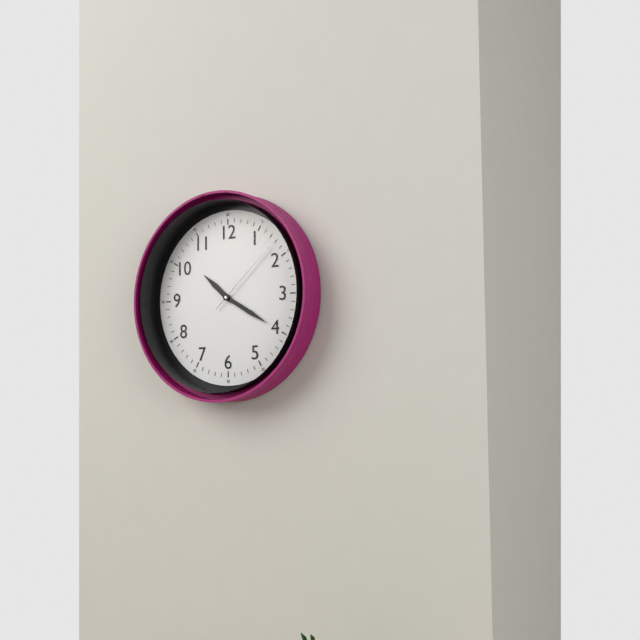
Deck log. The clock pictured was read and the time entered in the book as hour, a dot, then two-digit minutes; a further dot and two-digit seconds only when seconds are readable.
10.20.08
